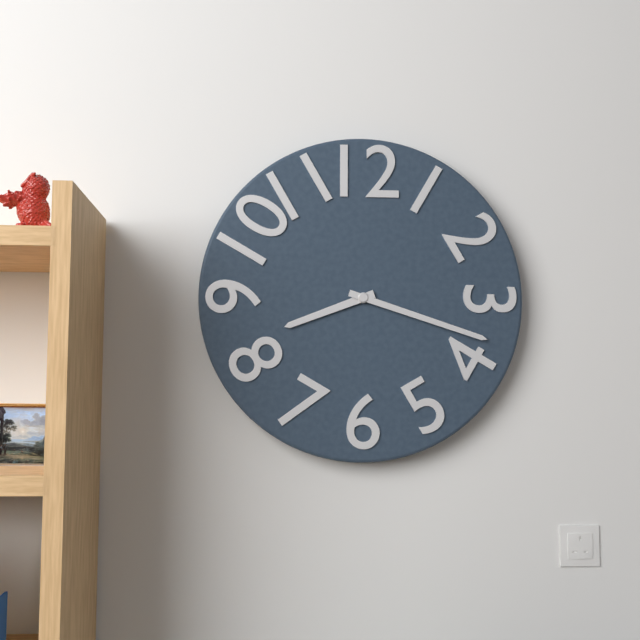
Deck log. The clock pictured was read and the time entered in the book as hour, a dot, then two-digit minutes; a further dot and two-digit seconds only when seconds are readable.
8.18
